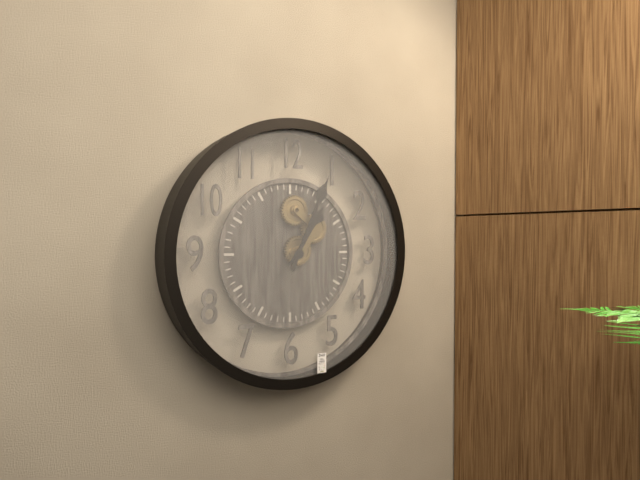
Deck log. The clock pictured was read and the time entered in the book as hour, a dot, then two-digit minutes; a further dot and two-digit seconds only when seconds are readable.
1.04
